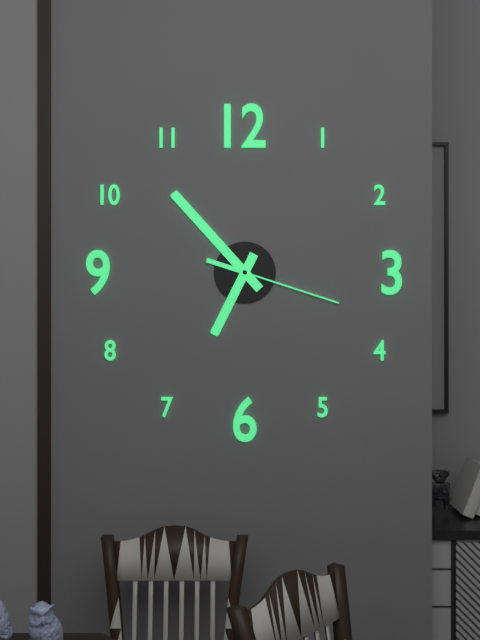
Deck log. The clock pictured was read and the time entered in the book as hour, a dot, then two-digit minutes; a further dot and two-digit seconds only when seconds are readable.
6.53.18
